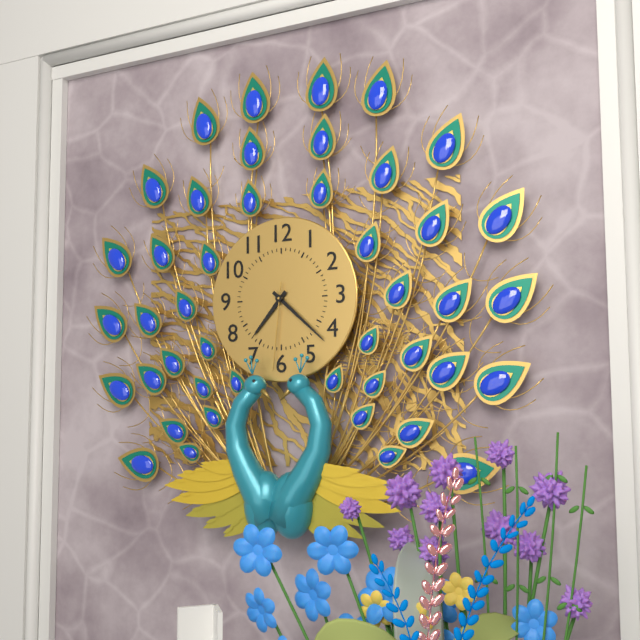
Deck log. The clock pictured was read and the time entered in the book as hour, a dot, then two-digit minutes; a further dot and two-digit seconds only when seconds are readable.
7.22.31
